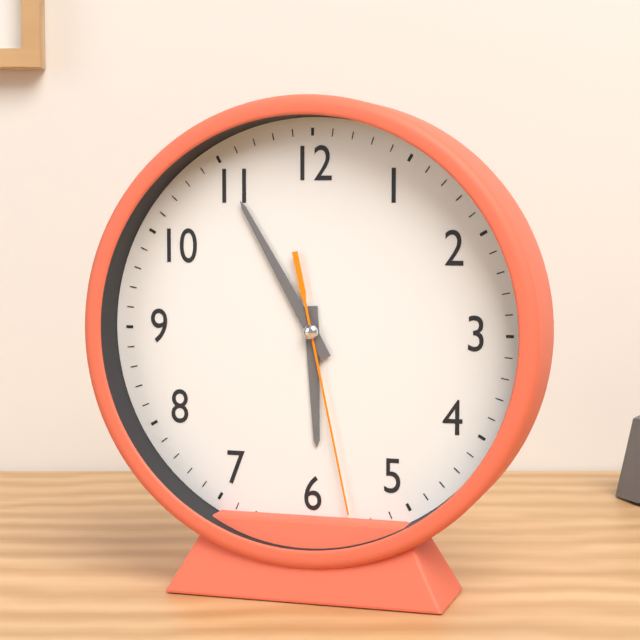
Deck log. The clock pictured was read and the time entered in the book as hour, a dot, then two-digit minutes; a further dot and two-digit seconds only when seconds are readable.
5.55.28
